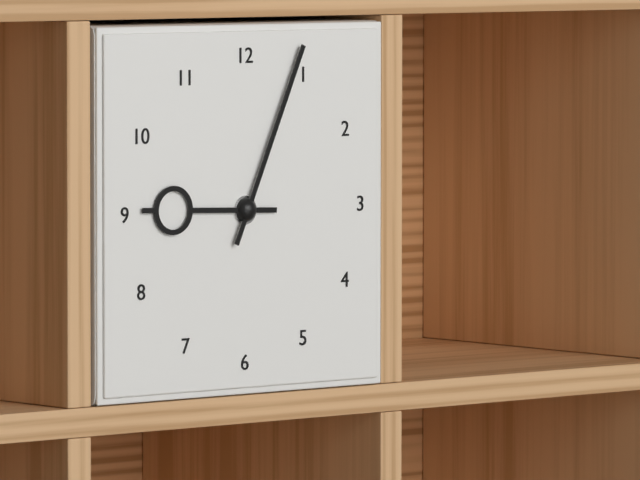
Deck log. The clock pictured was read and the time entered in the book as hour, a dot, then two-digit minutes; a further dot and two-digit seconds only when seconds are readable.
9.04
